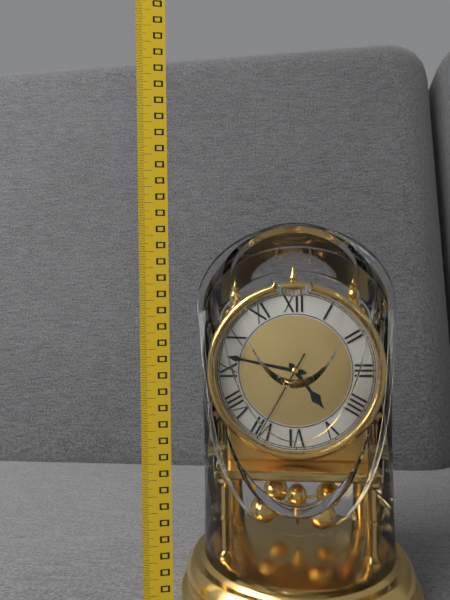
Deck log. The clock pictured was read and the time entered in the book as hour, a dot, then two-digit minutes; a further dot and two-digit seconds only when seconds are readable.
4.47.35
